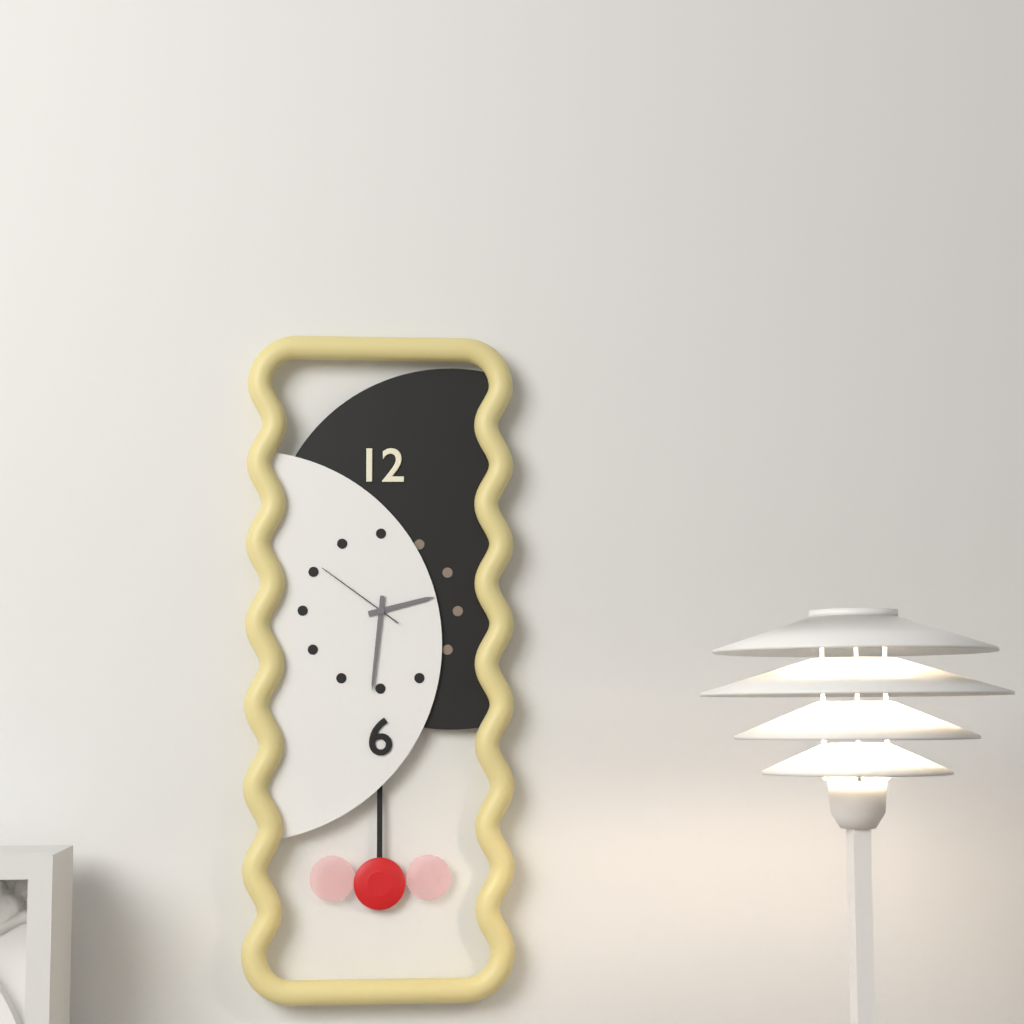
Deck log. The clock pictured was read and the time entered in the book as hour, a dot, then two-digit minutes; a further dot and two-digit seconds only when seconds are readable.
2.31.51
